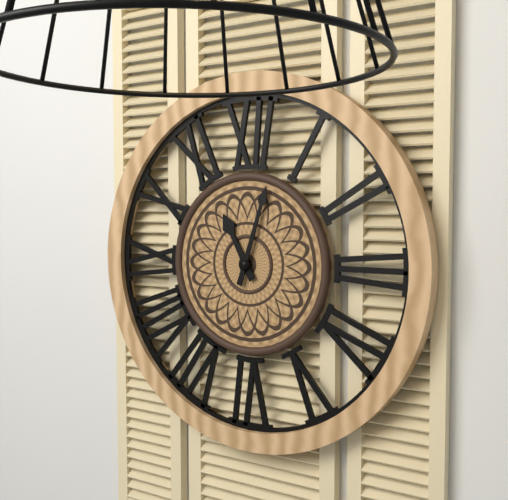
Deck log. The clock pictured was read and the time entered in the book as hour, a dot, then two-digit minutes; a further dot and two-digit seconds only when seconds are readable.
11.03
